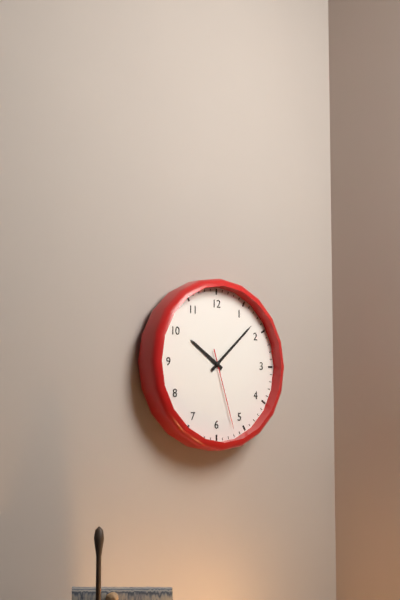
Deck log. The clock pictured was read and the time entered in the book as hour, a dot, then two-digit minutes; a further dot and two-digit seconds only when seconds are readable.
10.08.27
